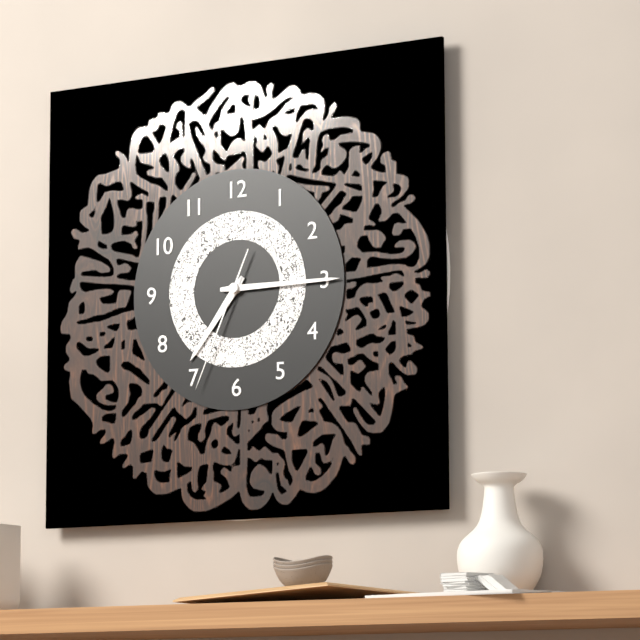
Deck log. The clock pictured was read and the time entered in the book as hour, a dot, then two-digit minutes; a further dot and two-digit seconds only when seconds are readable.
7.15.34
